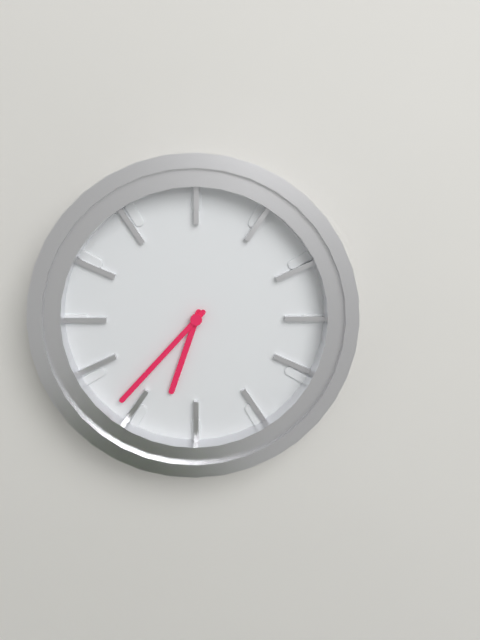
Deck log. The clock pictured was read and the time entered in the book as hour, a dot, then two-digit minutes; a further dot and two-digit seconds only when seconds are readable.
6.37
